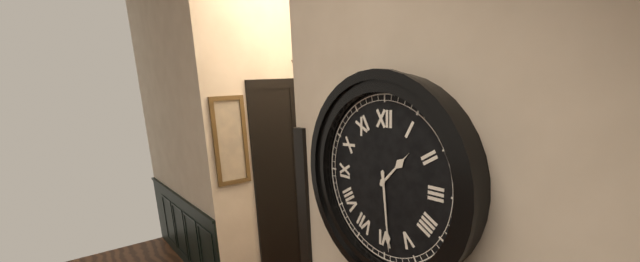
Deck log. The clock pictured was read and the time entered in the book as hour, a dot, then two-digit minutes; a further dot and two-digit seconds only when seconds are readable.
1.29
